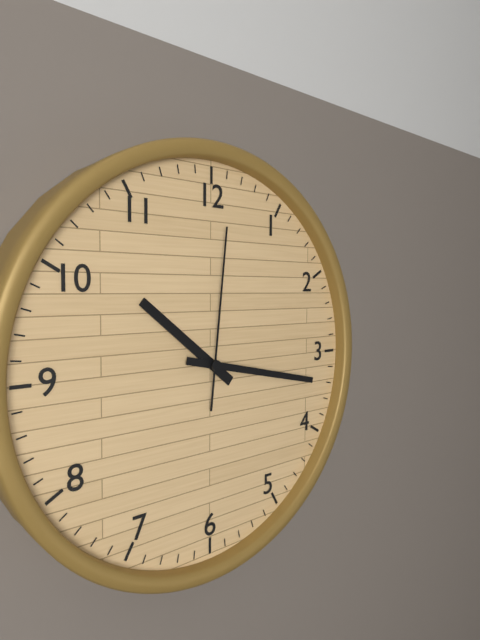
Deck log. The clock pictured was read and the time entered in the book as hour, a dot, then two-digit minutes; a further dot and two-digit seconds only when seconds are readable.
10.17.01
